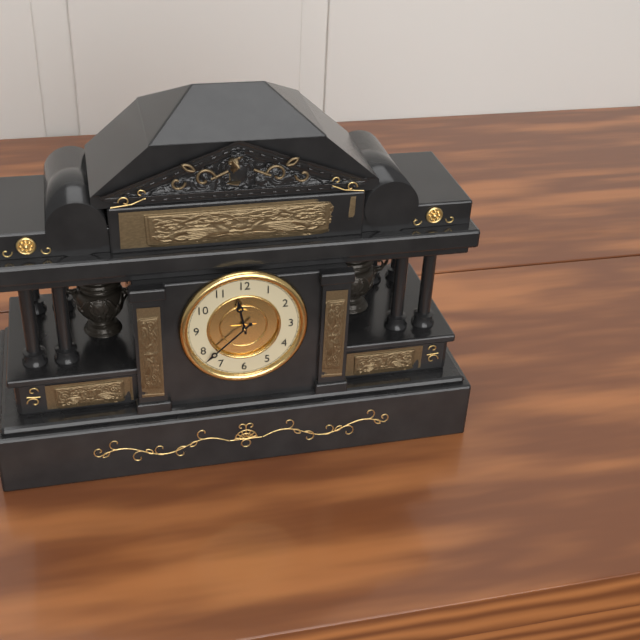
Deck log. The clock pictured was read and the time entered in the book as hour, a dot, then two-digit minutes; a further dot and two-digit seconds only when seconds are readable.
11.38
